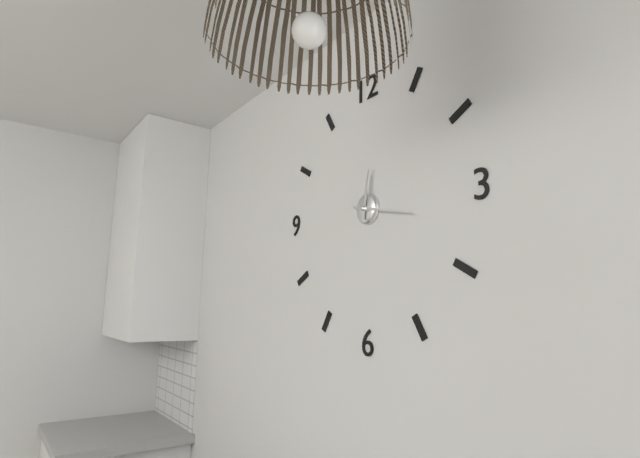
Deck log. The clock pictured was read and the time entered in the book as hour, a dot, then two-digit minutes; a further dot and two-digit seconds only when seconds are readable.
12.17
